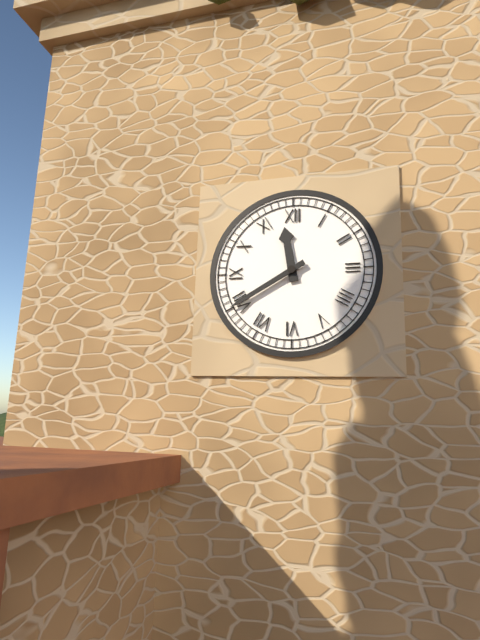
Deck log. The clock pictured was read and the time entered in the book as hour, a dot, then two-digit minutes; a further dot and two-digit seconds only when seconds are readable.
11.40
